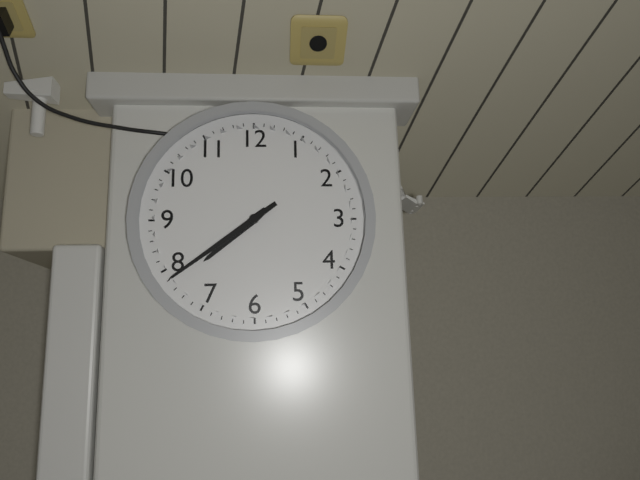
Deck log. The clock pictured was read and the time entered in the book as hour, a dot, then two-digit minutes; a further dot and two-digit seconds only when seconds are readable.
7.39
